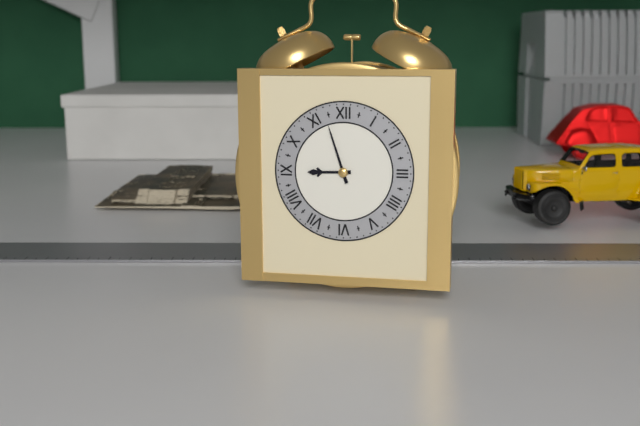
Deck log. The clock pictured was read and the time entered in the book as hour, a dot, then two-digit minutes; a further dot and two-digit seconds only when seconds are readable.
8.57
